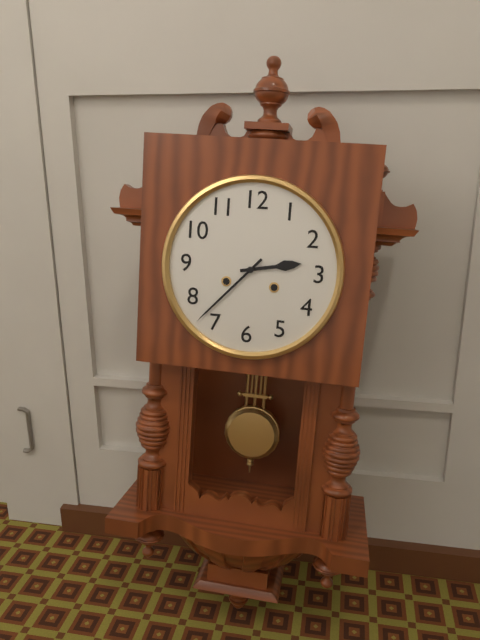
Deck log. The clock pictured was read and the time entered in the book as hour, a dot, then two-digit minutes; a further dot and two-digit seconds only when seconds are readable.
2.37
